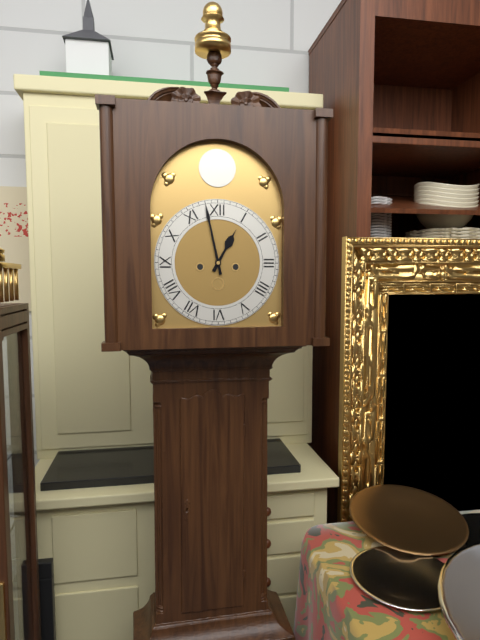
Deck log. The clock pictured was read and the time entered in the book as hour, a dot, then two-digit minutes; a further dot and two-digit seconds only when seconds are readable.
12.58
